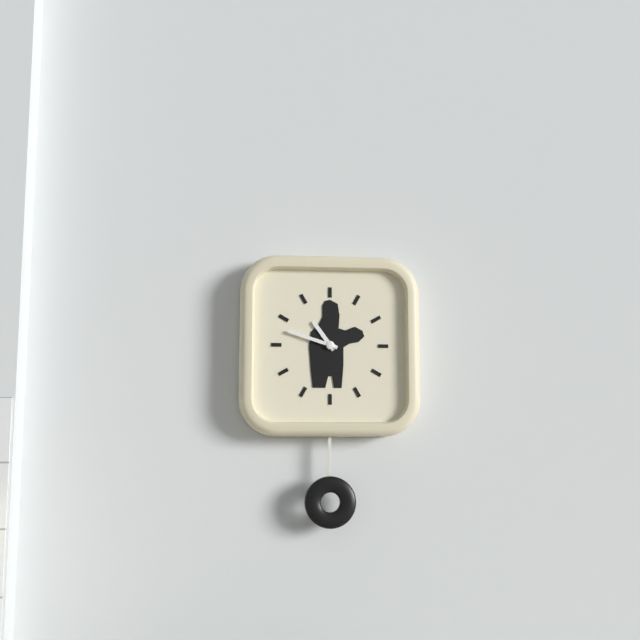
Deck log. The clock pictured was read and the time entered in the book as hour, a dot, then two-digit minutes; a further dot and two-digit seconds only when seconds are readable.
10.48
